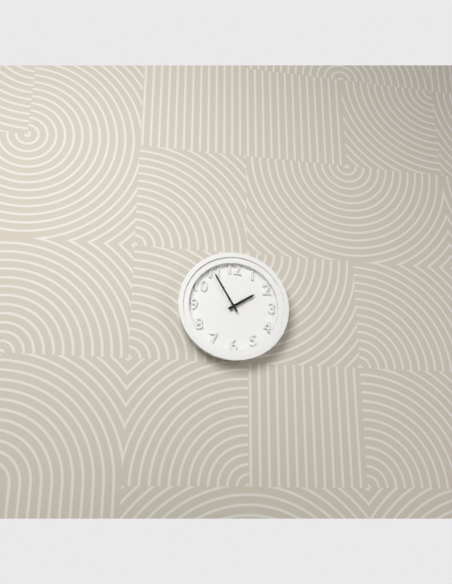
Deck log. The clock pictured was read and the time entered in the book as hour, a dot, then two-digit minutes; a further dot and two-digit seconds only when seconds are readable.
1.55
